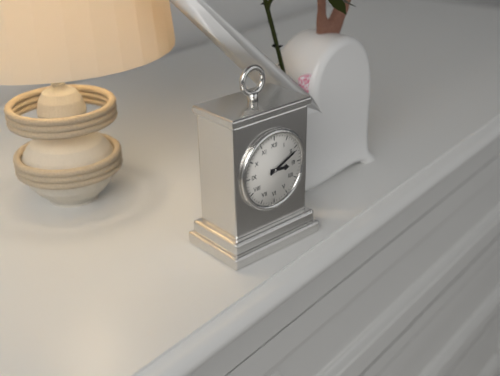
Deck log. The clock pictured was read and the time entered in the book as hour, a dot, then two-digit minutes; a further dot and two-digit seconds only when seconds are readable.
3.11
